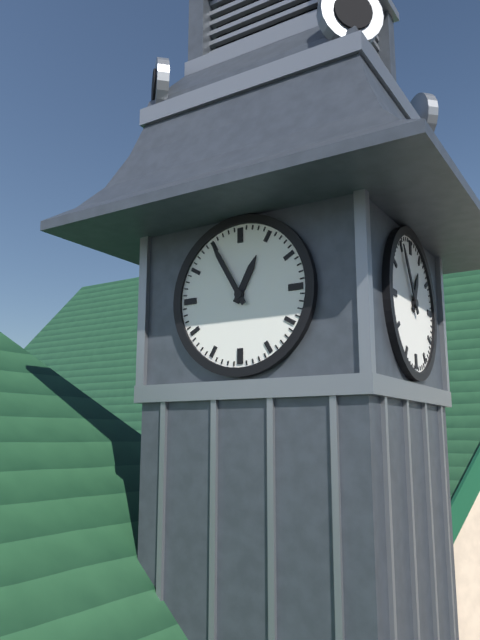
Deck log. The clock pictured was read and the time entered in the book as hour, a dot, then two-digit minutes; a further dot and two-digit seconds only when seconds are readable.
12.55
